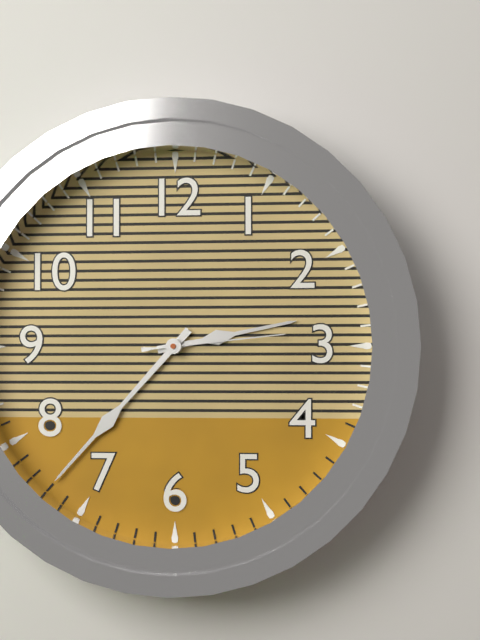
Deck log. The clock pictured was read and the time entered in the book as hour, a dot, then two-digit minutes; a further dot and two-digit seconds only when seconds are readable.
2.37.14
